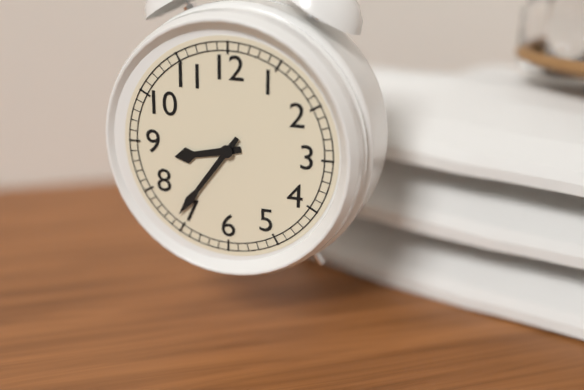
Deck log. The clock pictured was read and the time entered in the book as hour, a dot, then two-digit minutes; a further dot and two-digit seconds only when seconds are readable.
8.36
